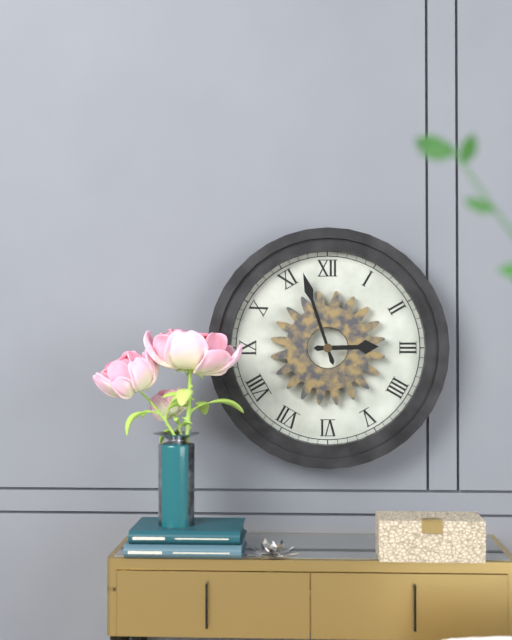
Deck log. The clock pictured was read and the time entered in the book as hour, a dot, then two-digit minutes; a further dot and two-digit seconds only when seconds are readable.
2.57
